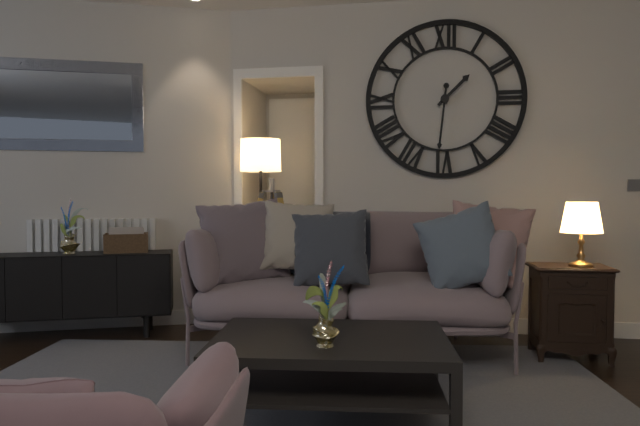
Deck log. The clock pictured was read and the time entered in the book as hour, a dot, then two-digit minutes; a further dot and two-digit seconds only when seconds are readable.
1.31
